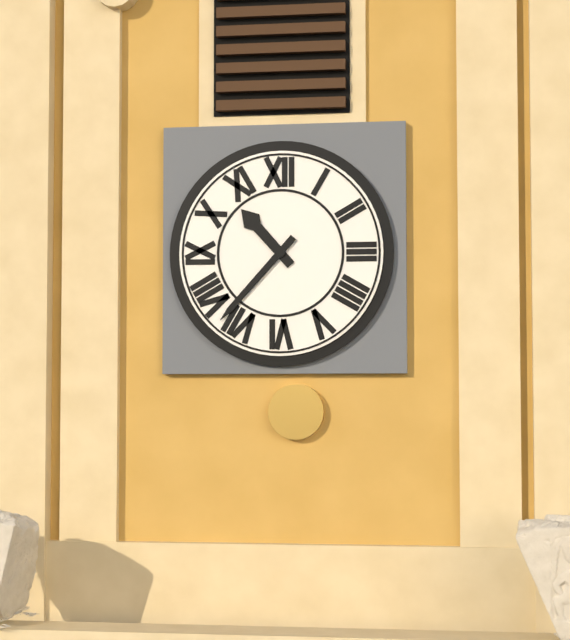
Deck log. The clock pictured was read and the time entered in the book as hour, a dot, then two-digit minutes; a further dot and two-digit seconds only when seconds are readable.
10.37
